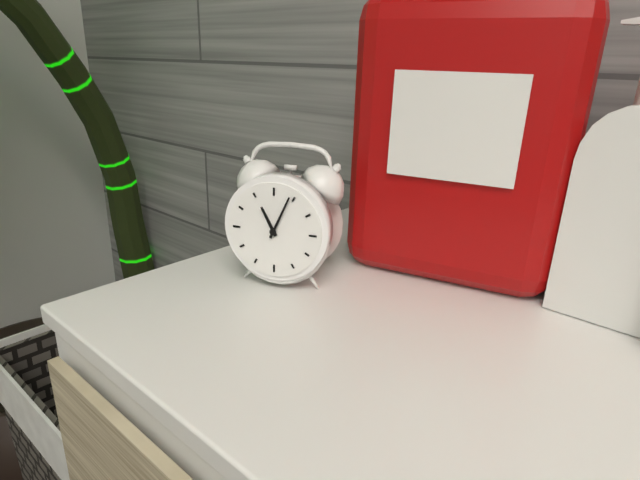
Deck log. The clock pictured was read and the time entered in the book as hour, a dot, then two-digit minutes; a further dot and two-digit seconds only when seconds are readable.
11.04
